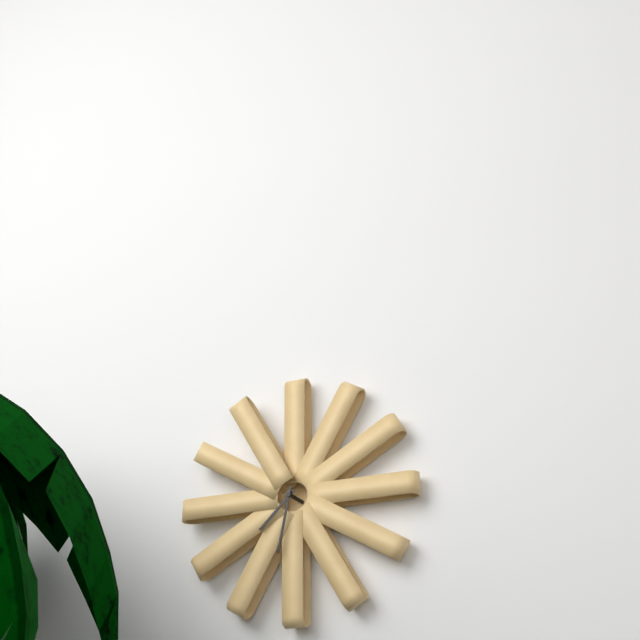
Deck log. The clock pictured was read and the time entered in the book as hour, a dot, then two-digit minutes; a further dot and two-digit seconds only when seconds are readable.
7.32
